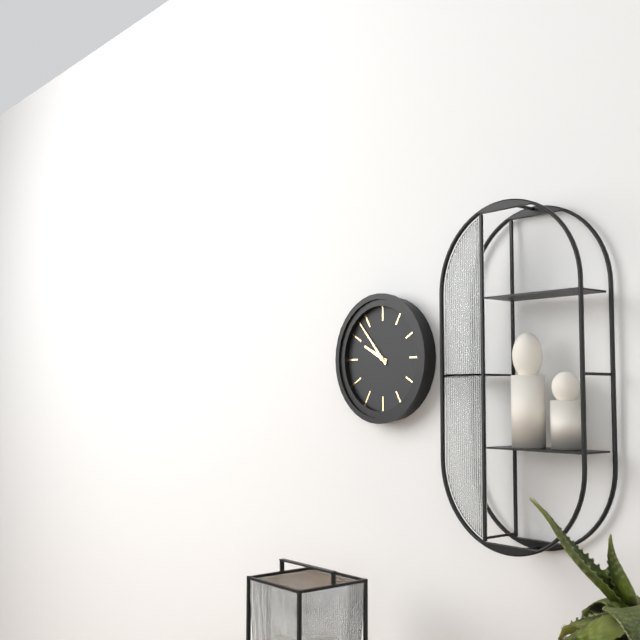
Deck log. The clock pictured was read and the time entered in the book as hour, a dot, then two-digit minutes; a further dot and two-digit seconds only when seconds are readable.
9.53
